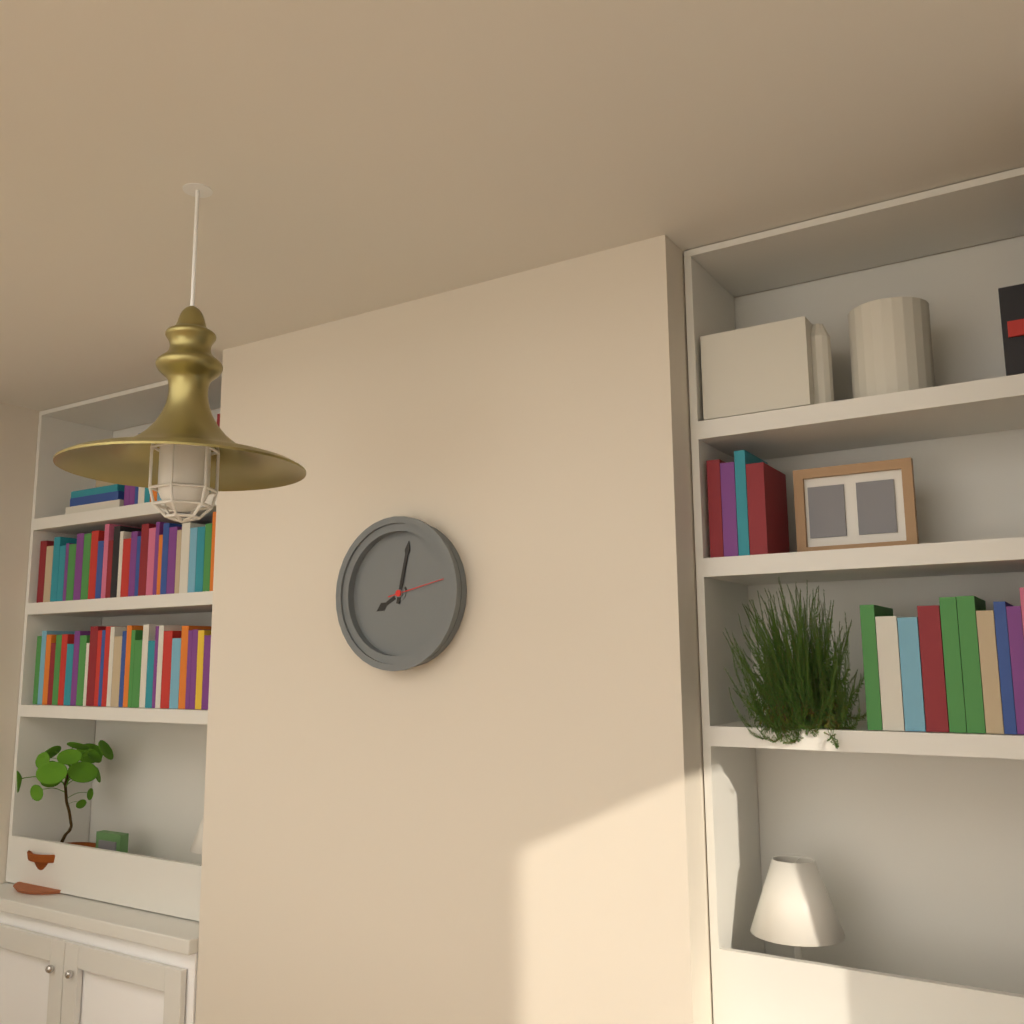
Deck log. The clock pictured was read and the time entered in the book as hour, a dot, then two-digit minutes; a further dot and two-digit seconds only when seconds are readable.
8.02.13
